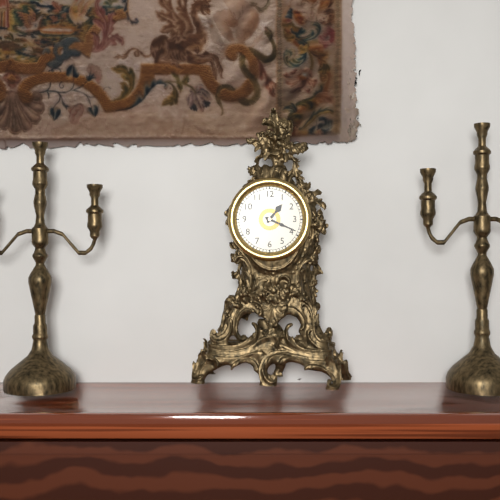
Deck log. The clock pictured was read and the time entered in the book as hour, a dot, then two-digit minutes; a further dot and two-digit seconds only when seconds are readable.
1.19
